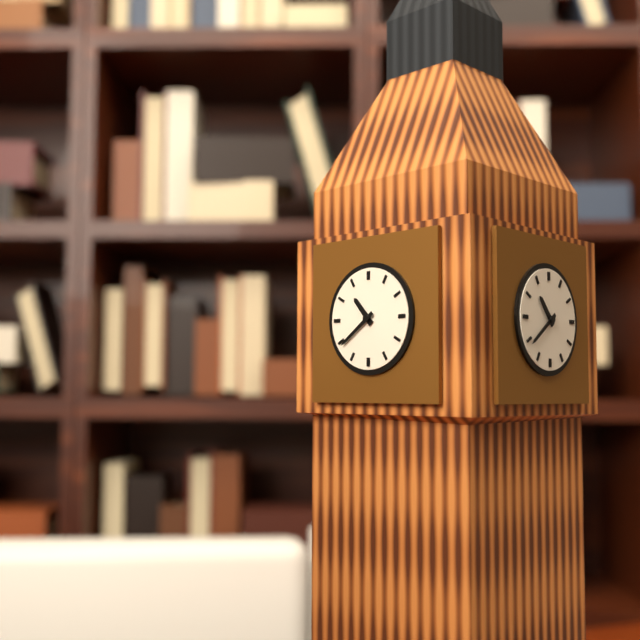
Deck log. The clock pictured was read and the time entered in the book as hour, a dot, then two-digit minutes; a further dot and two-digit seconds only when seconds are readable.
10.39
